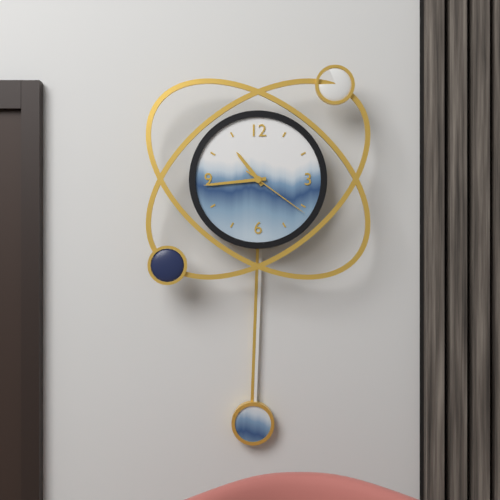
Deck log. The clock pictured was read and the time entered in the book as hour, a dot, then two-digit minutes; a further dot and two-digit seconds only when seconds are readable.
10.44.21
